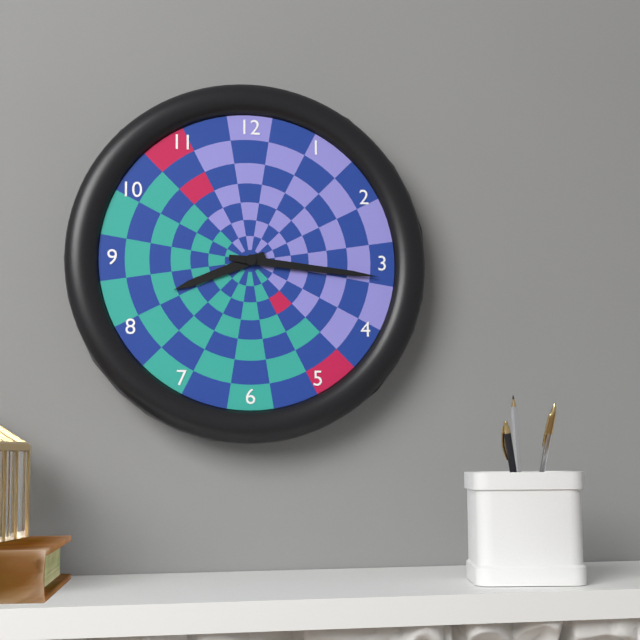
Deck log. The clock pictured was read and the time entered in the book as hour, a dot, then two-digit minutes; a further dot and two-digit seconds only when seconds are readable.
8.16
